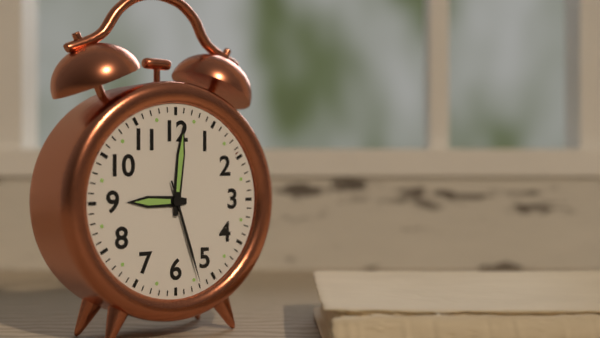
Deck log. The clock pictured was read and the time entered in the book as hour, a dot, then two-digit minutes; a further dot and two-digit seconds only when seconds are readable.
9.01.27
